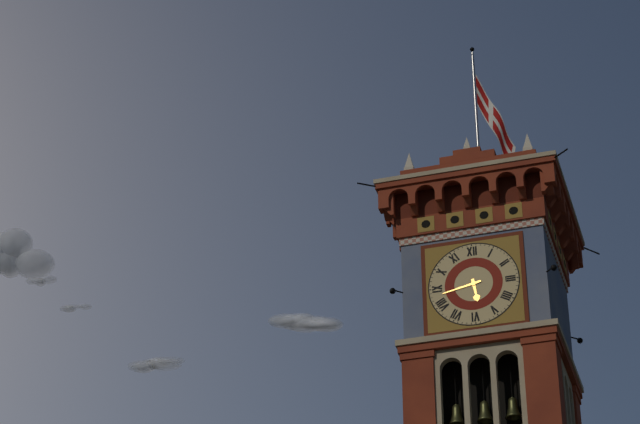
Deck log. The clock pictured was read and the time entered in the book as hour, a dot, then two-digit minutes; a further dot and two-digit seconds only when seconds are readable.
5.43
